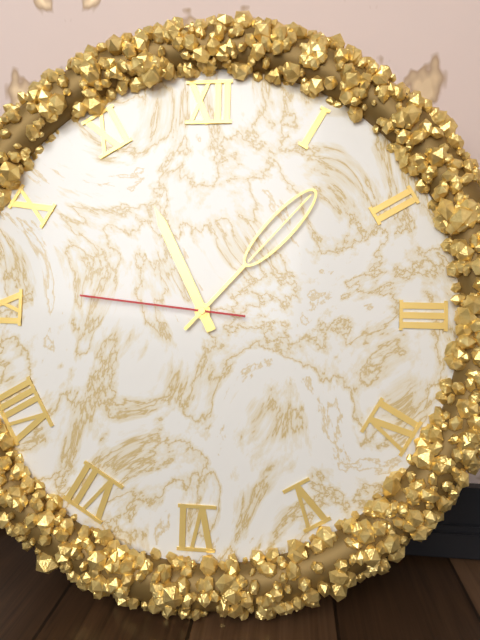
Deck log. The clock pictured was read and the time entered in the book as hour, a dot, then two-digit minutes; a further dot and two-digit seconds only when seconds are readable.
11.07.46
